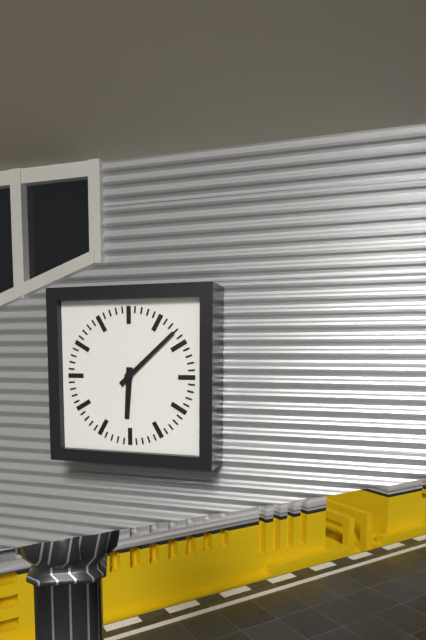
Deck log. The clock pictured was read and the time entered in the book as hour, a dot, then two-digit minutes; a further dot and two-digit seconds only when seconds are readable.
6.08
